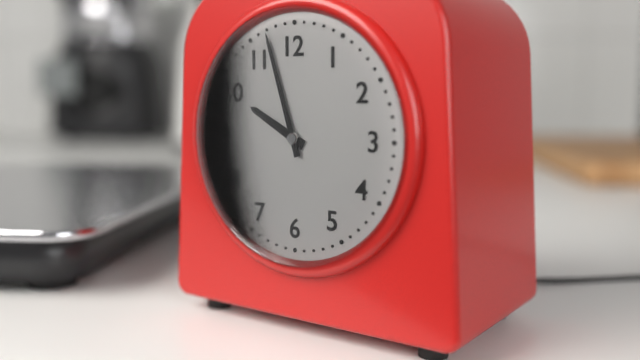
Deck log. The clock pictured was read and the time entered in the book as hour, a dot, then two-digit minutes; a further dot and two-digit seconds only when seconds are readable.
9.57
